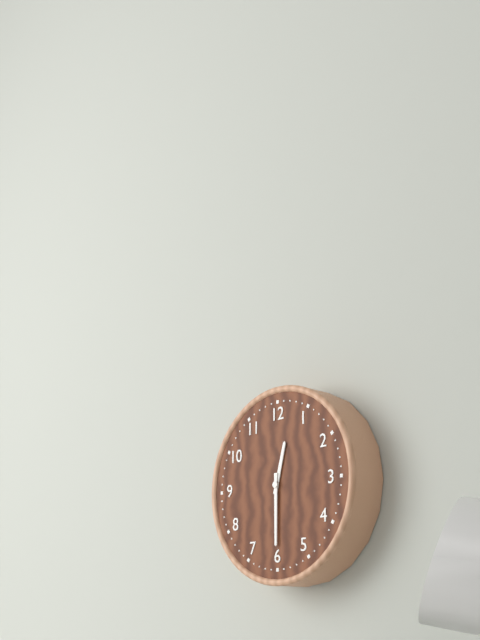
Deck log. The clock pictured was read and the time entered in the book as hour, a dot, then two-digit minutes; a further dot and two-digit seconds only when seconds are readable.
12.30
